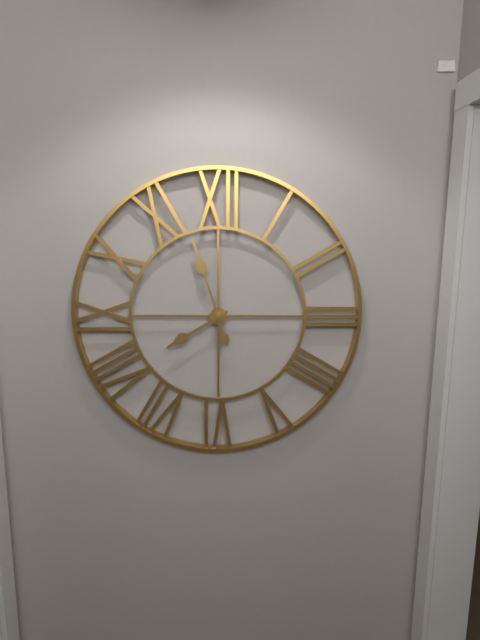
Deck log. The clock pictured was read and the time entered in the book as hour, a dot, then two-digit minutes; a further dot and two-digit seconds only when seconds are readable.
7.57
